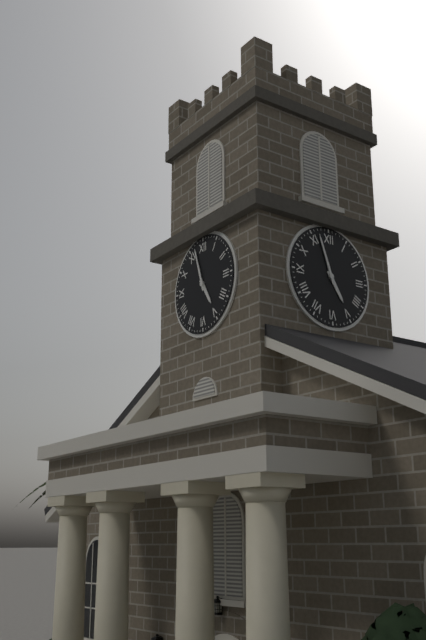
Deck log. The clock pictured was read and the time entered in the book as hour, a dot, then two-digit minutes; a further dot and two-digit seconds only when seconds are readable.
4.57
